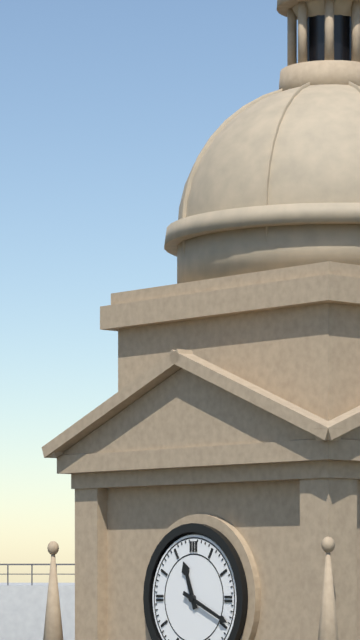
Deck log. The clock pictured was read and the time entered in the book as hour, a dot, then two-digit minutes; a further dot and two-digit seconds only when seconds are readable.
11.19
